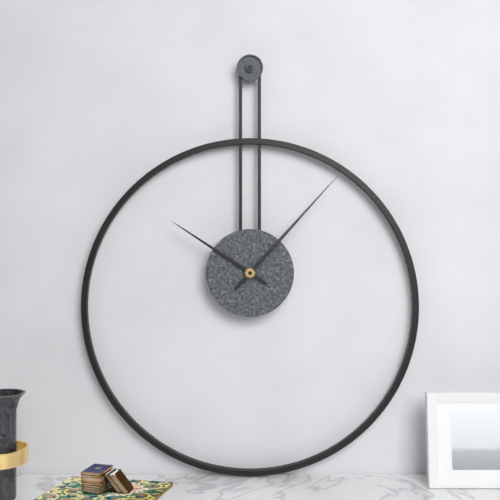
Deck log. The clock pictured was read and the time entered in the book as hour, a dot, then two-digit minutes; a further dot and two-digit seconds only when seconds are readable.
10.07
